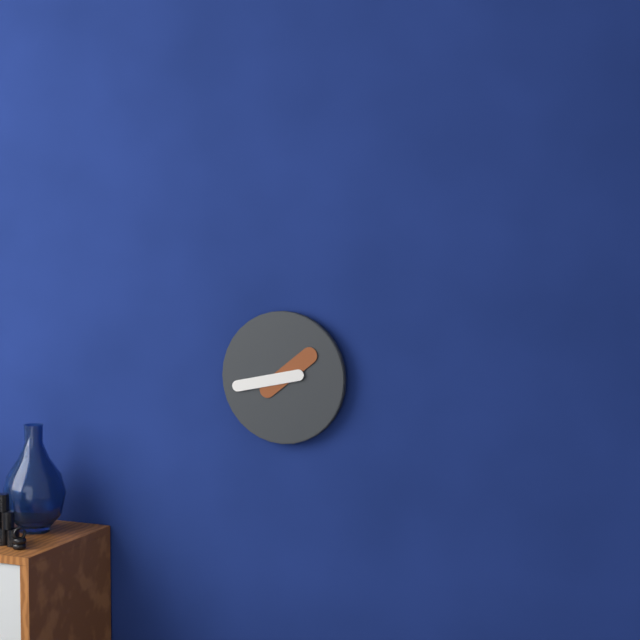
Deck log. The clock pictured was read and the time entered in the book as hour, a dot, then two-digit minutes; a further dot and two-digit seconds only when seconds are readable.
1.43
